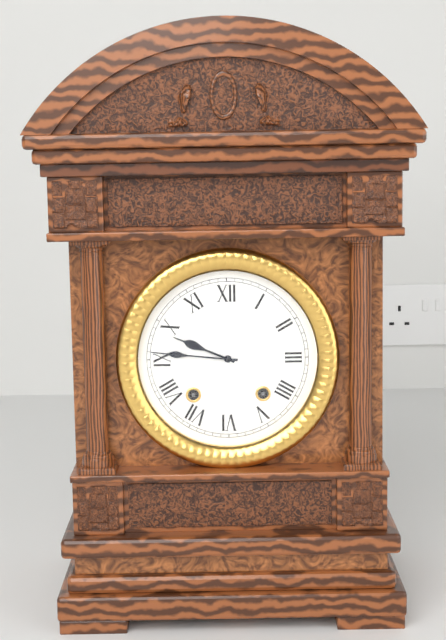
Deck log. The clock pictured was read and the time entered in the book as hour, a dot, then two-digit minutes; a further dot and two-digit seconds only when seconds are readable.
9.46
